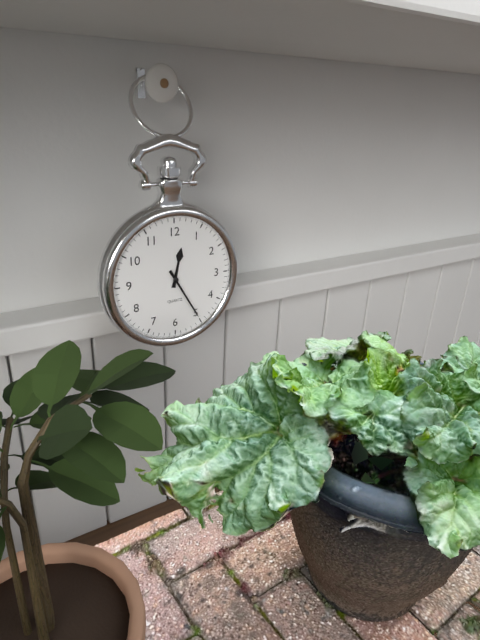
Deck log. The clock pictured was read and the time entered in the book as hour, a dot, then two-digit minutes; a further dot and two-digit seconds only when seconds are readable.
12.25
